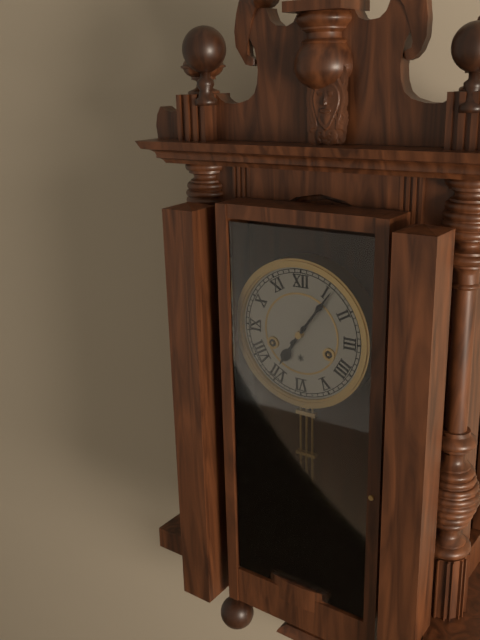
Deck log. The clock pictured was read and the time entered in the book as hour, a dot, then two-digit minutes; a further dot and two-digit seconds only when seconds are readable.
7.06
